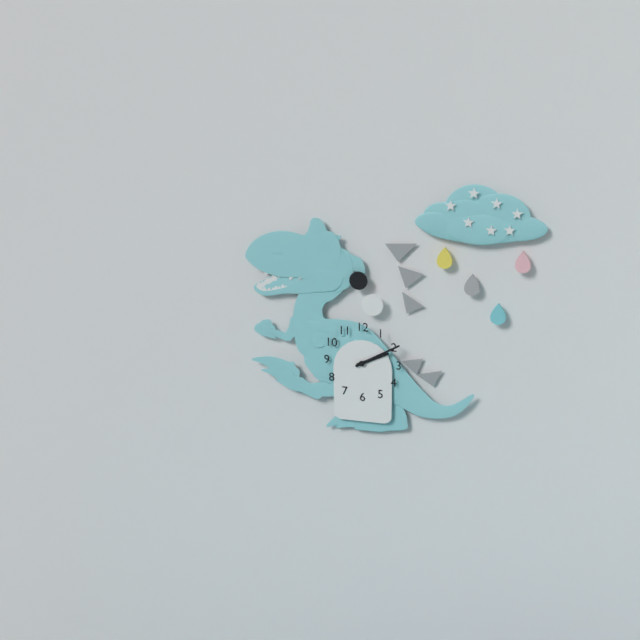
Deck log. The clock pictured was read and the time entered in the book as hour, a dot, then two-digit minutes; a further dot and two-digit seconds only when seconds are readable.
2.10
